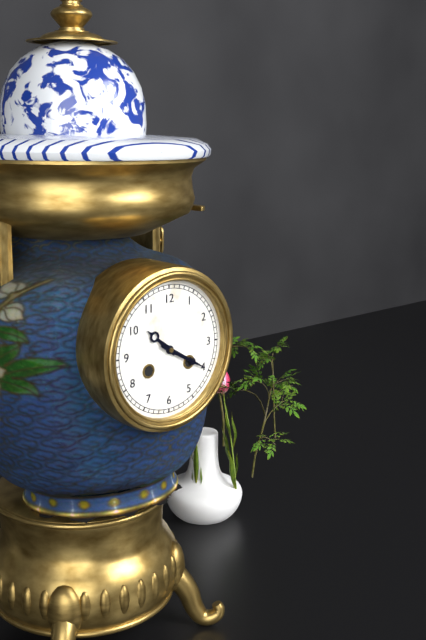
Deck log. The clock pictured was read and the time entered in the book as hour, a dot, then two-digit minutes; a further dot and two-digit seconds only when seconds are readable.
10.20
